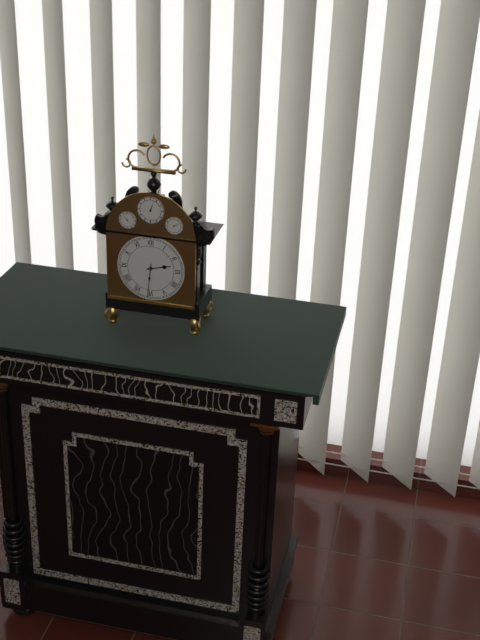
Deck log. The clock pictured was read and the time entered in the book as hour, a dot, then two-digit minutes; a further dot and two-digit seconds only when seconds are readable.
2.31
